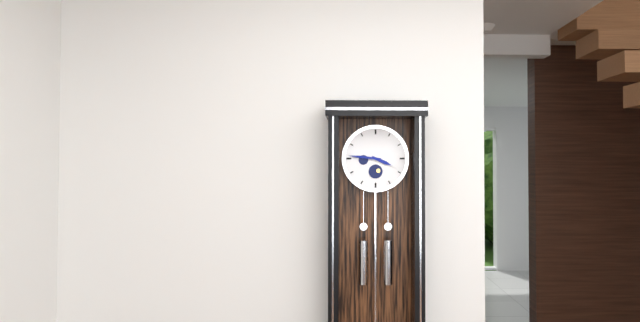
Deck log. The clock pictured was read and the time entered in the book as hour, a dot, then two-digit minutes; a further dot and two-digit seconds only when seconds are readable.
3.46
